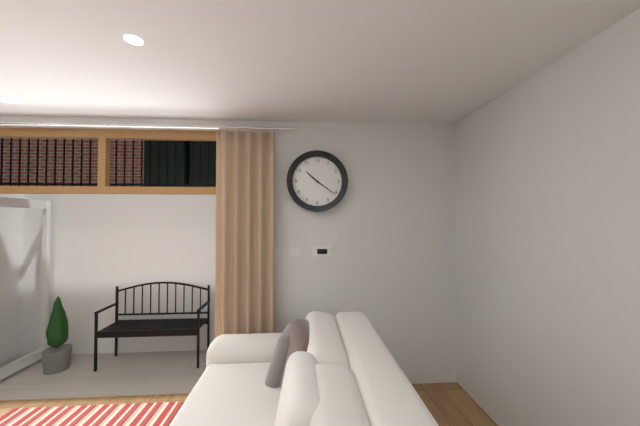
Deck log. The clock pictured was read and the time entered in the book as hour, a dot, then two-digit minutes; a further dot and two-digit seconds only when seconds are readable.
10.21
